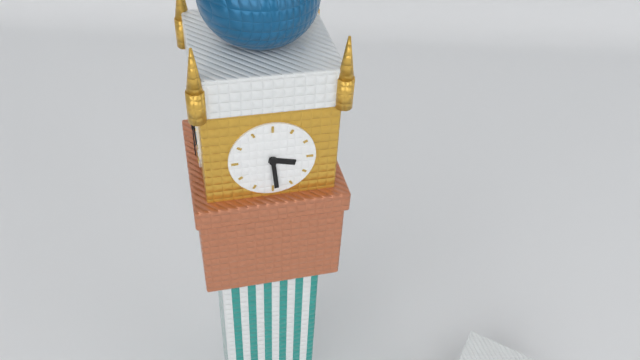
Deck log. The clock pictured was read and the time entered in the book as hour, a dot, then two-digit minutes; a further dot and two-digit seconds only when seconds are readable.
3.29
